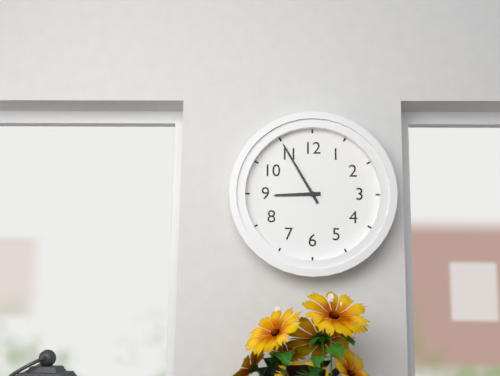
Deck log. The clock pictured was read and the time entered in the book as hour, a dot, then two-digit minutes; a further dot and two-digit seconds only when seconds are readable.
8.55
